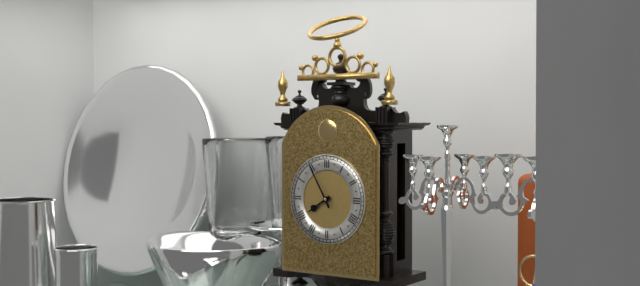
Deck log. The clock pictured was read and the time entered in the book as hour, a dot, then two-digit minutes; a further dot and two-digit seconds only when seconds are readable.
7.55
